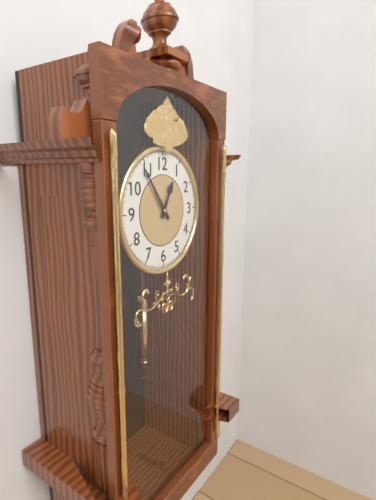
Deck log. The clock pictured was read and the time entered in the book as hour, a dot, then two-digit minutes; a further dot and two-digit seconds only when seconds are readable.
12.54
